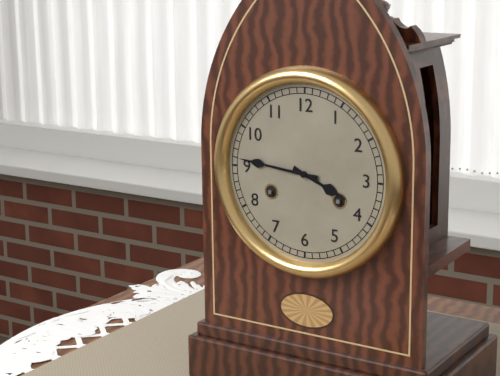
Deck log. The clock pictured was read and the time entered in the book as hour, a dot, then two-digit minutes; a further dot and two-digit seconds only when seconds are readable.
3.46
